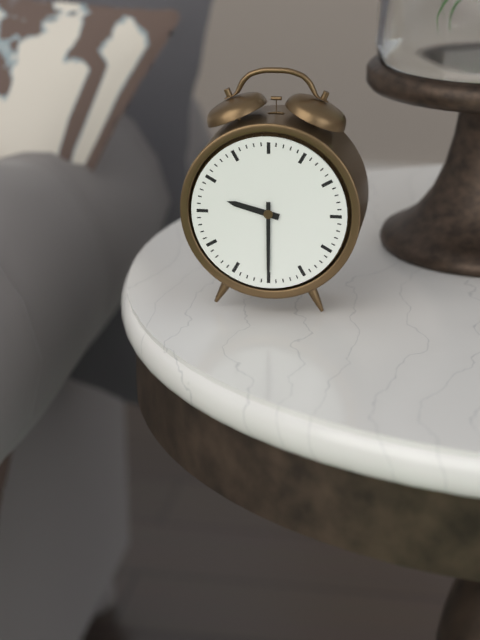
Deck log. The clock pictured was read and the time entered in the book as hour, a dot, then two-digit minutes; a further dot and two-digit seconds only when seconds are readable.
9.30
